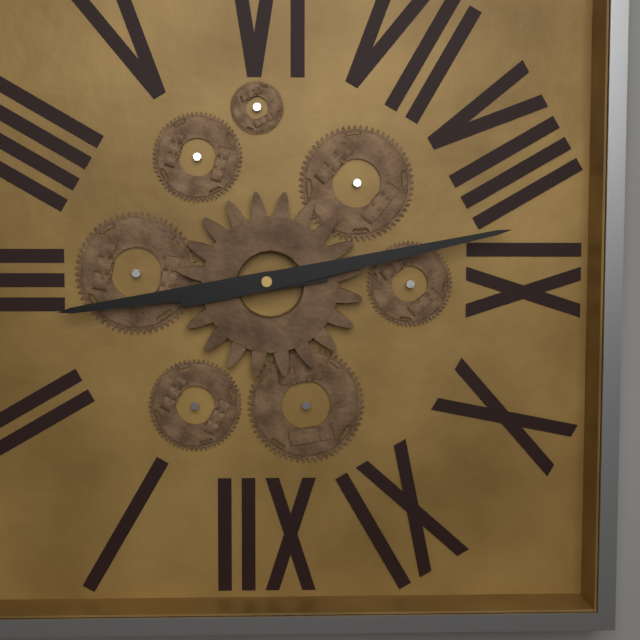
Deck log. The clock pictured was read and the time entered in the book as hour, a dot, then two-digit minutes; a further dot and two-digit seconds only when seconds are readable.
2.43
